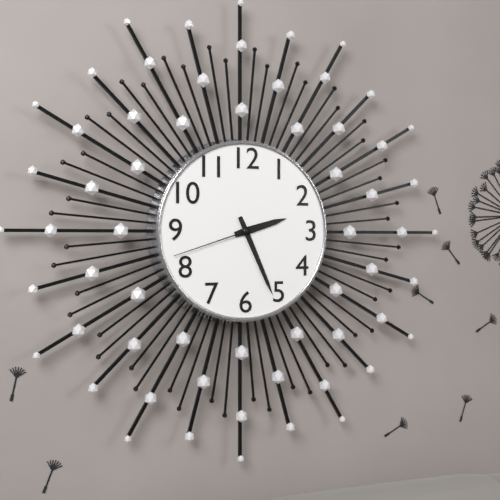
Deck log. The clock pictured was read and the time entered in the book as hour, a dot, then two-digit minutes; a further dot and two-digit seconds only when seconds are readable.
2.26.42
